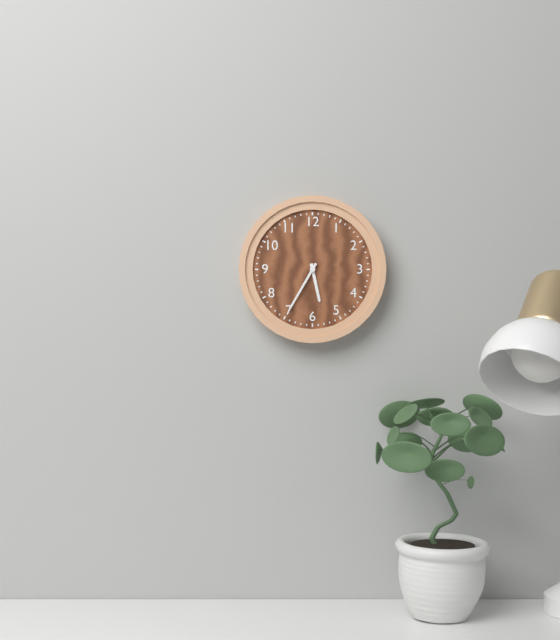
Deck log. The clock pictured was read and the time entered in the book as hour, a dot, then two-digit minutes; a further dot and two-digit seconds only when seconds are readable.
5.35
